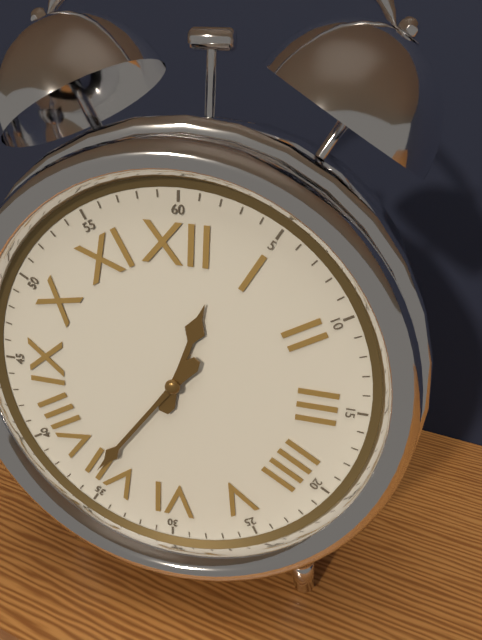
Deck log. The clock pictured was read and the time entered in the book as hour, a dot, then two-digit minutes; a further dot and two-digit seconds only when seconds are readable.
12.36
